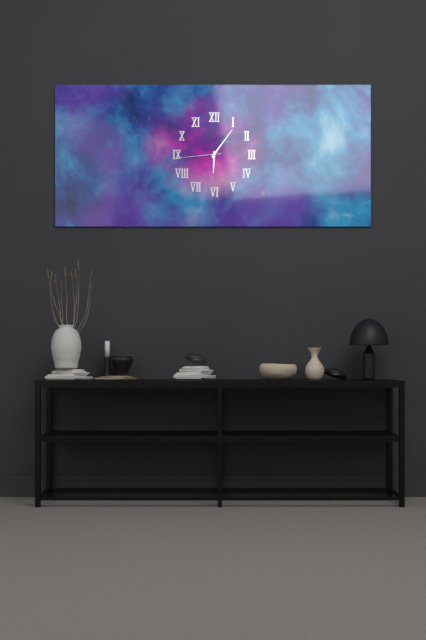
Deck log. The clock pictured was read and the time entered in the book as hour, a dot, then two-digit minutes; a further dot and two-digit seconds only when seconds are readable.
6.06
